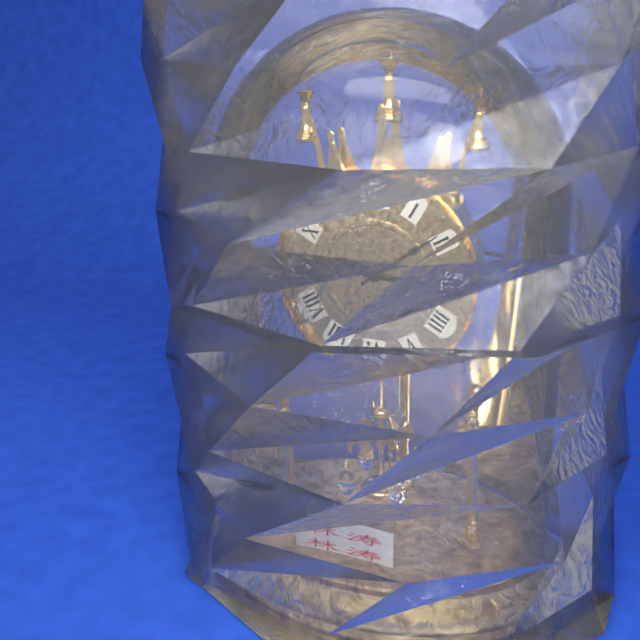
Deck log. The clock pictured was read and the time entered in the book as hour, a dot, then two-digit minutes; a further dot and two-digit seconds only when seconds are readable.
3.09
